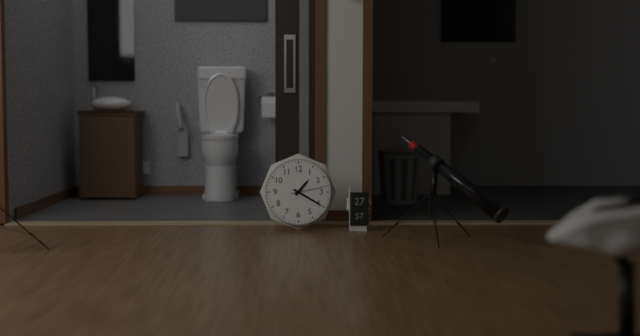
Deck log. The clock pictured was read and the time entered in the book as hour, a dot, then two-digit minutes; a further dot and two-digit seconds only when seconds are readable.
1.20
